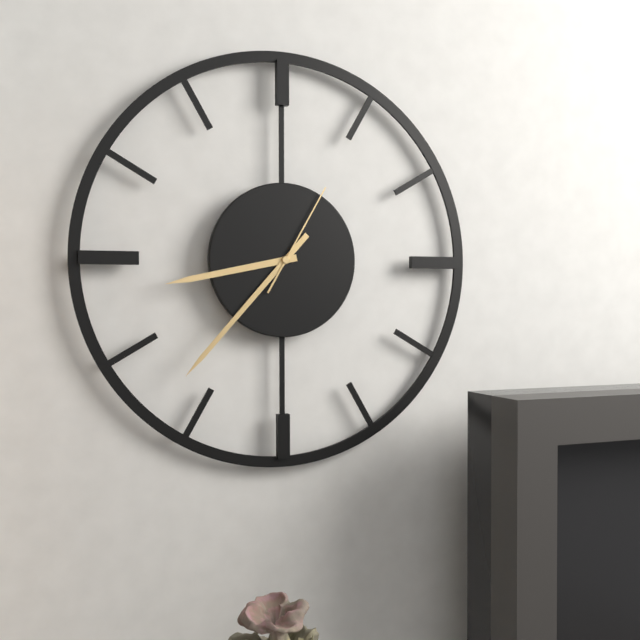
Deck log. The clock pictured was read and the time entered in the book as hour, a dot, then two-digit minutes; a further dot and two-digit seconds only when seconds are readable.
8.37.05
